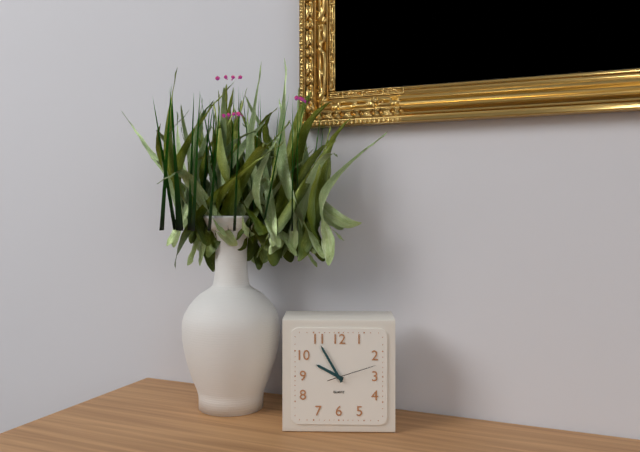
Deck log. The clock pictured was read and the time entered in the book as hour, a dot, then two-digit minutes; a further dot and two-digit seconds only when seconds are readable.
9.55
